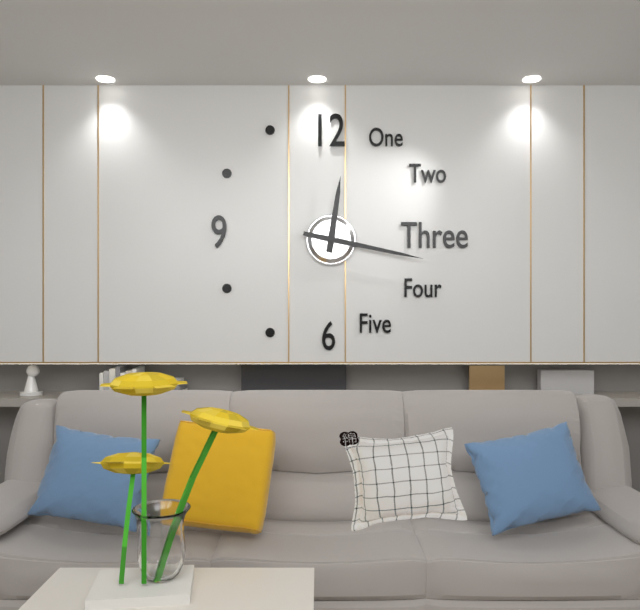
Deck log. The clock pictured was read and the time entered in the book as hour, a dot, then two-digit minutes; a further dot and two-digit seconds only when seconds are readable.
12.17
